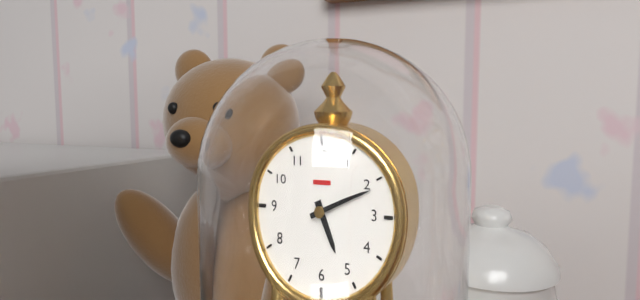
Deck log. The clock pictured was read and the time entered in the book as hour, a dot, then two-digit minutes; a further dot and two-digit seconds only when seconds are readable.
5.11
